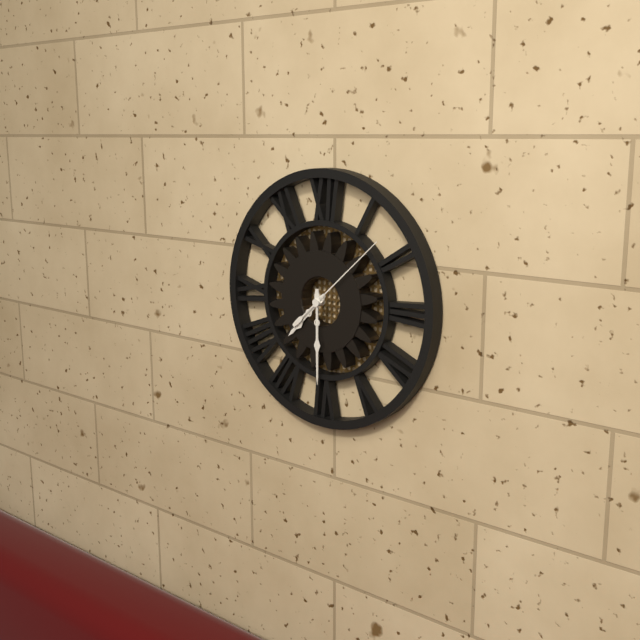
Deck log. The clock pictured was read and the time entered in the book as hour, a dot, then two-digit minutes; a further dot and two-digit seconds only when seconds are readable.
7.30.08
